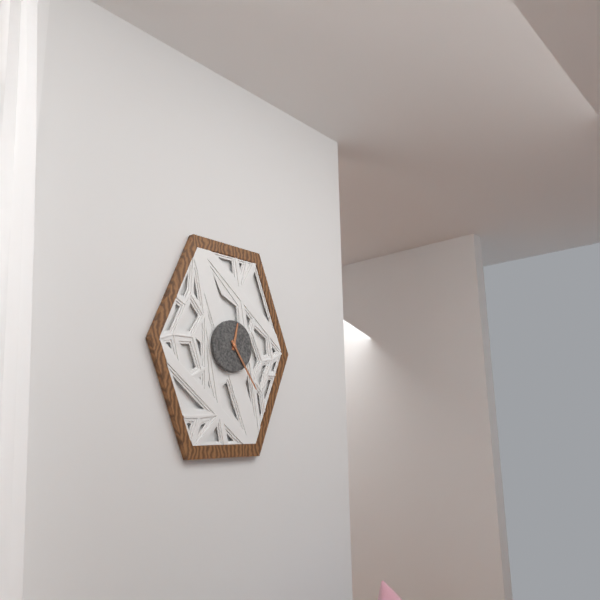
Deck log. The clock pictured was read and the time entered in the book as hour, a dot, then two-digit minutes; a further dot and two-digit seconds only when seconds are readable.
12.24
